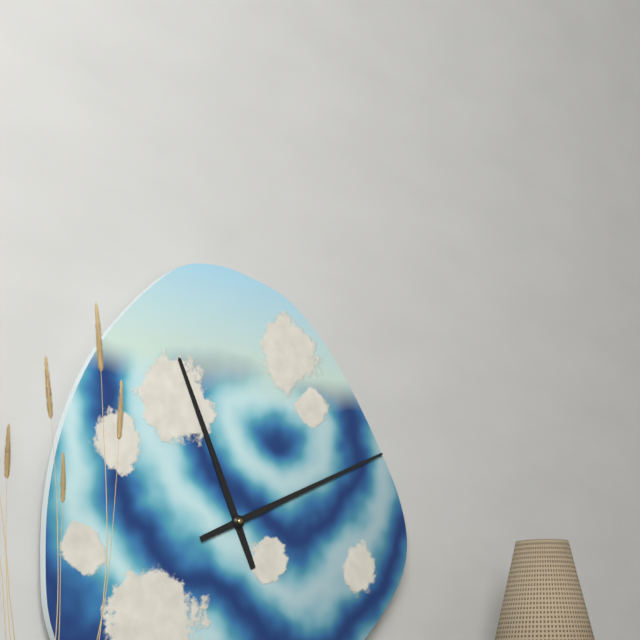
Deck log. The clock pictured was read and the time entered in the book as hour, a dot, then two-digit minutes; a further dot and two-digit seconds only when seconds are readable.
11.11
